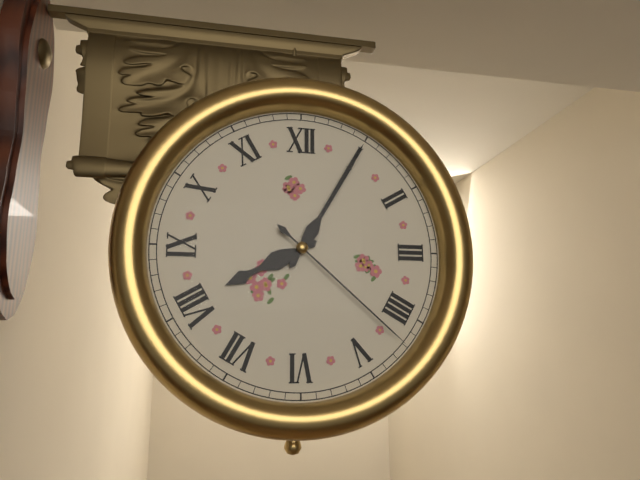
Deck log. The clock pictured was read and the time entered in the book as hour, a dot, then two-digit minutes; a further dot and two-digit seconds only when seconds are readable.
8.05.22
